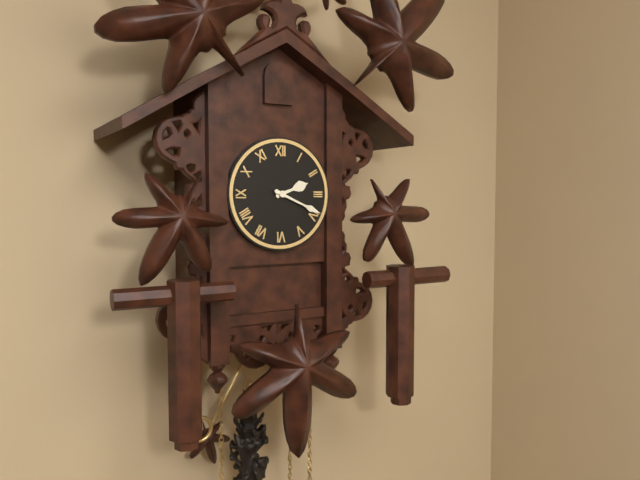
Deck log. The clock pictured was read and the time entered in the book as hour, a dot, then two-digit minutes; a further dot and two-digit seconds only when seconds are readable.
2.19
